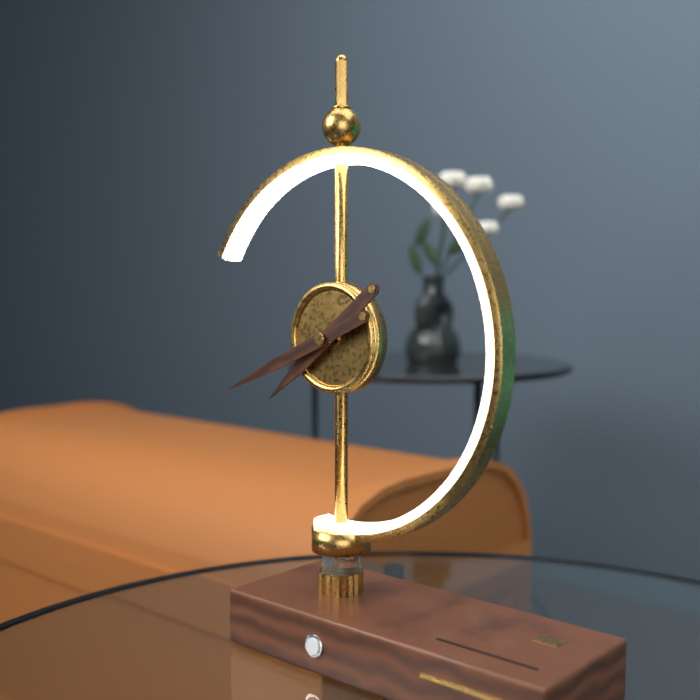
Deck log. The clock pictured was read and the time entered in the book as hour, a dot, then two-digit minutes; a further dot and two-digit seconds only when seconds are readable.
7.41
